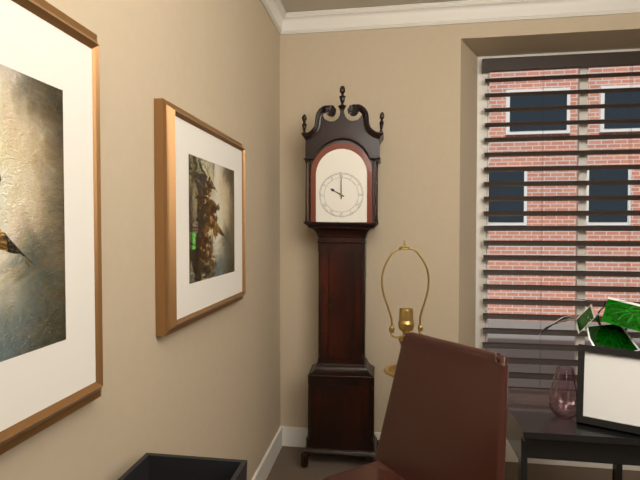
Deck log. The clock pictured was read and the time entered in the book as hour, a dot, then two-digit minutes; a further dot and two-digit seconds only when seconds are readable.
10.00
